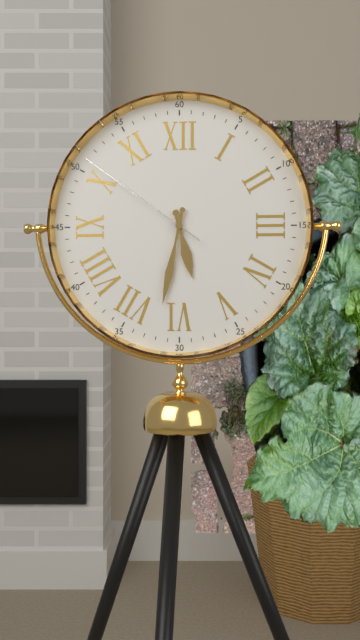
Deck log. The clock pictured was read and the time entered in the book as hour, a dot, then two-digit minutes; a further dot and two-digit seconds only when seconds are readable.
5.32.51
